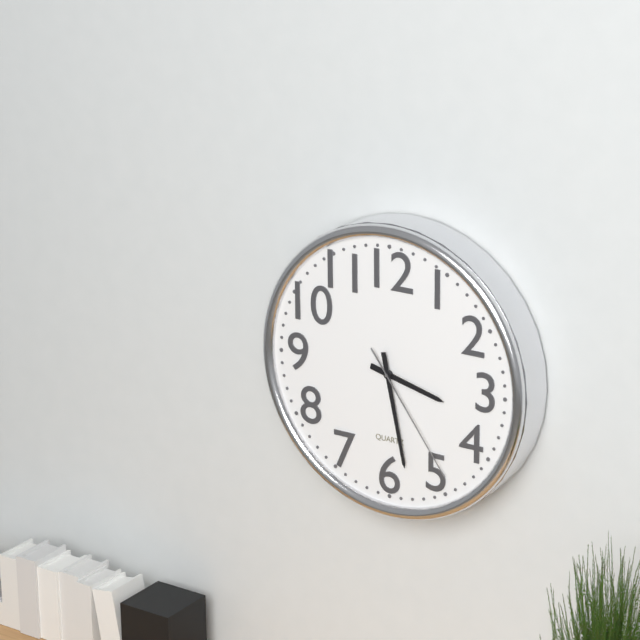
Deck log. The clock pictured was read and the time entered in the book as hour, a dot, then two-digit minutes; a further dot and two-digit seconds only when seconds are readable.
3.28.24
